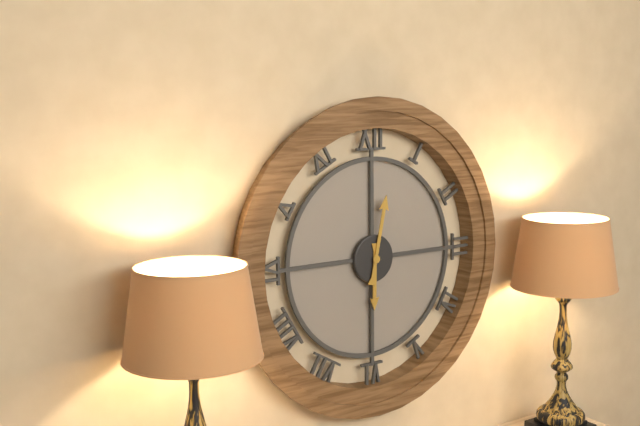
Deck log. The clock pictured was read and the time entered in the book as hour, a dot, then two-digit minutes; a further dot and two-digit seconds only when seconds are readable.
6.02
